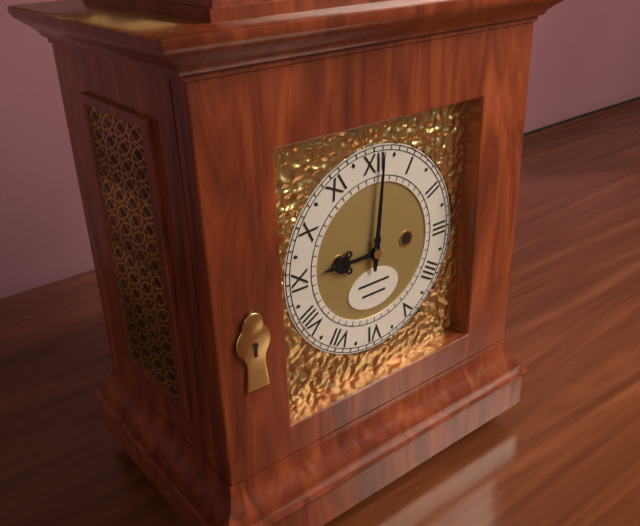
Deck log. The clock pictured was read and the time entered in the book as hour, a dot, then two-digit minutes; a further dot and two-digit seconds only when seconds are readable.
9.01
